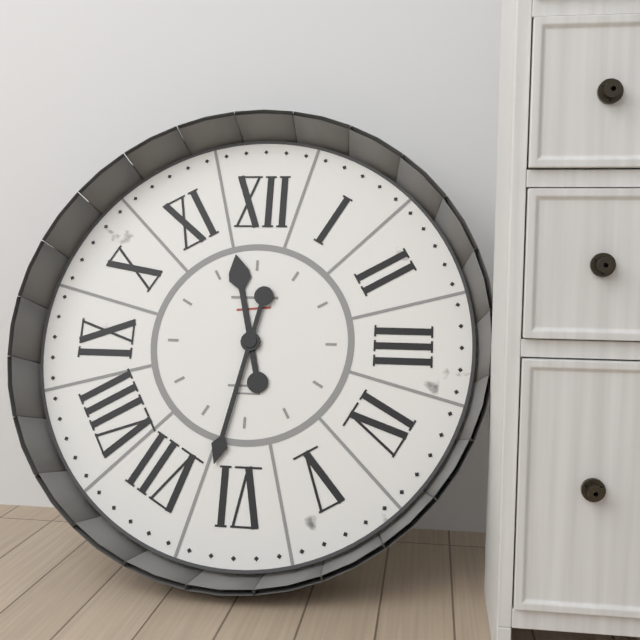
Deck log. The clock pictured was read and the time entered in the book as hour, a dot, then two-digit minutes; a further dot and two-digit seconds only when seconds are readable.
11.32
